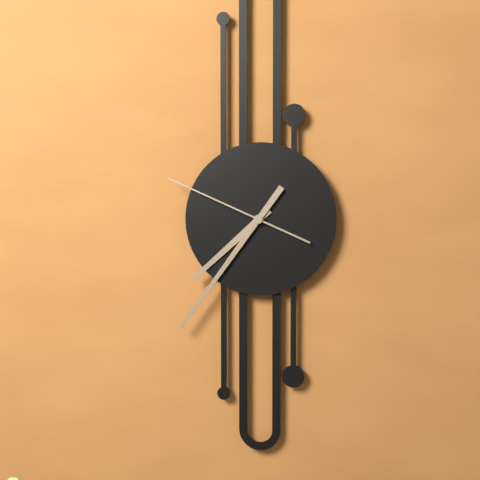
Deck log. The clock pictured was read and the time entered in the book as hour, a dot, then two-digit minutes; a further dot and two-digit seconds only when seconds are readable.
7.36.49
